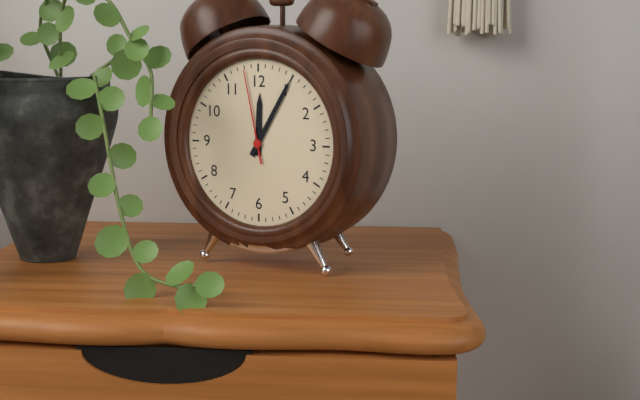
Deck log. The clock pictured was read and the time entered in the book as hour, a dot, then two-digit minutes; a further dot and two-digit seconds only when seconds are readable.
12.05.58
